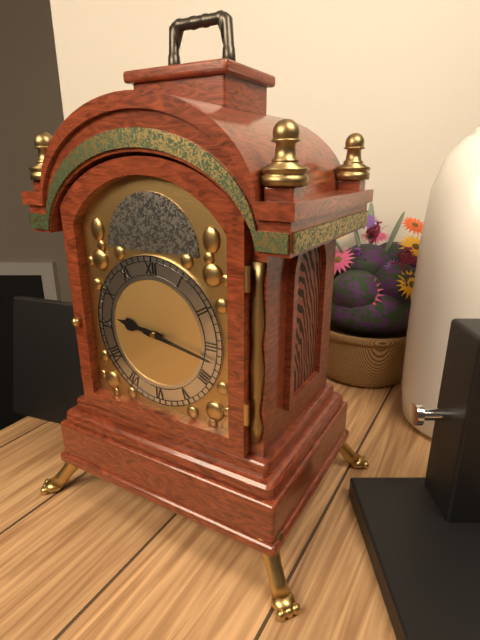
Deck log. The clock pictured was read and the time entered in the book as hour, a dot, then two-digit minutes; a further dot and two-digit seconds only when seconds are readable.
9.17
